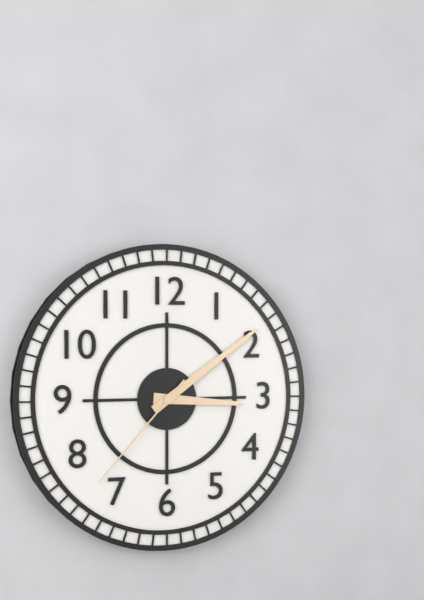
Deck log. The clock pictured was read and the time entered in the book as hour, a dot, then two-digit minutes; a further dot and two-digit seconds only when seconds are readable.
3.09.37
